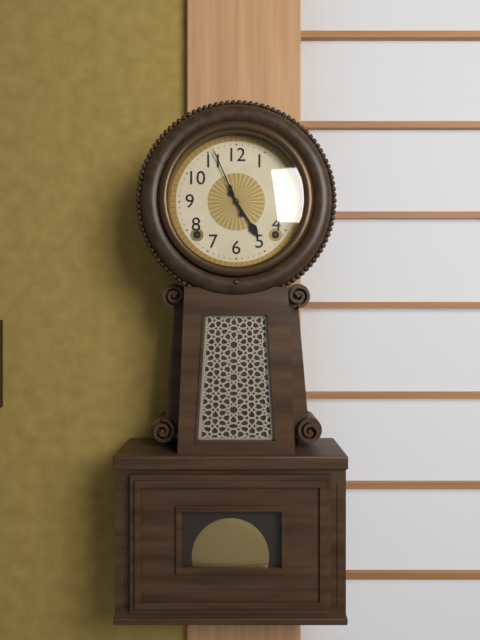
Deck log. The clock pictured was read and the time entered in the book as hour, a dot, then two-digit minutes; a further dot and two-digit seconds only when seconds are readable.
4.56
